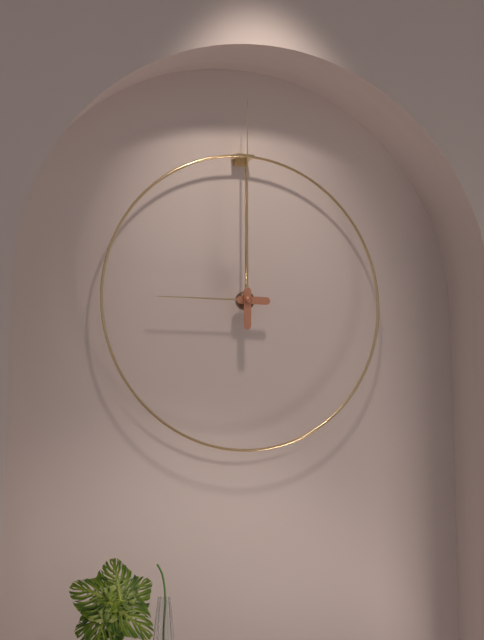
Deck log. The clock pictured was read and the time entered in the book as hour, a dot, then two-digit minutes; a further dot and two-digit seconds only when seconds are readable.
9.00
